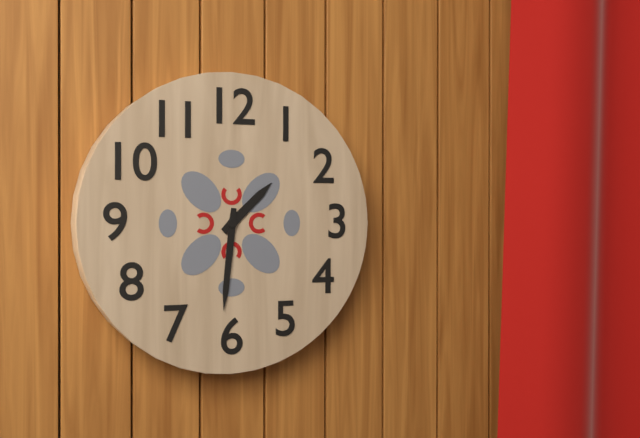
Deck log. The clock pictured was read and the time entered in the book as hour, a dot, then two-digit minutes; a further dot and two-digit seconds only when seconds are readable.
1.31
